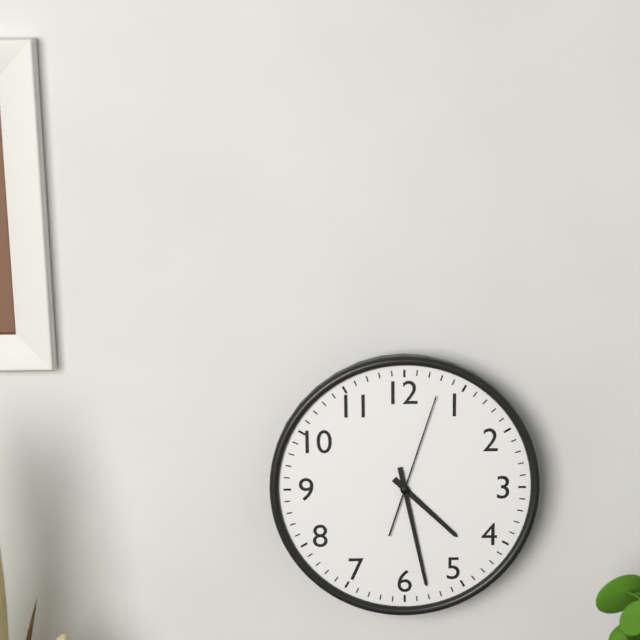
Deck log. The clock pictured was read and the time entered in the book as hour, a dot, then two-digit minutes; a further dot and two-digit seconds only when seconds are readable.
4.28.03
